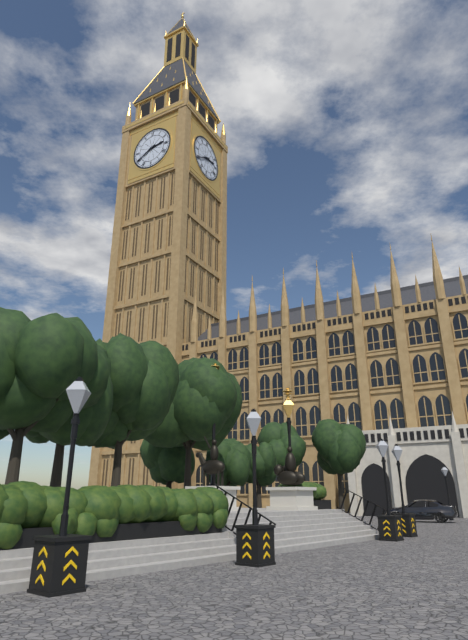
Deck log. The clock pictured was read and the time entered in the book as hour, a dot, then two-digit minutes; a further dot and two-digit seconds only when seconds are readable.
2.40
